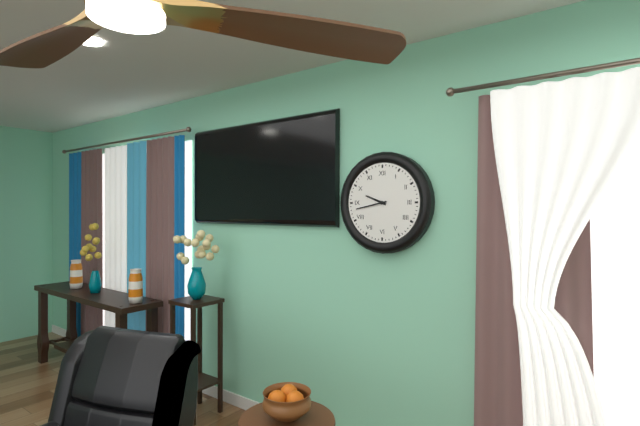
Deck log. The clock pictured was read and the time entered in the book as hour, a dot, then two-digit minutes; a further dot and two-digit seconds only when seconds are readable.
9.43
